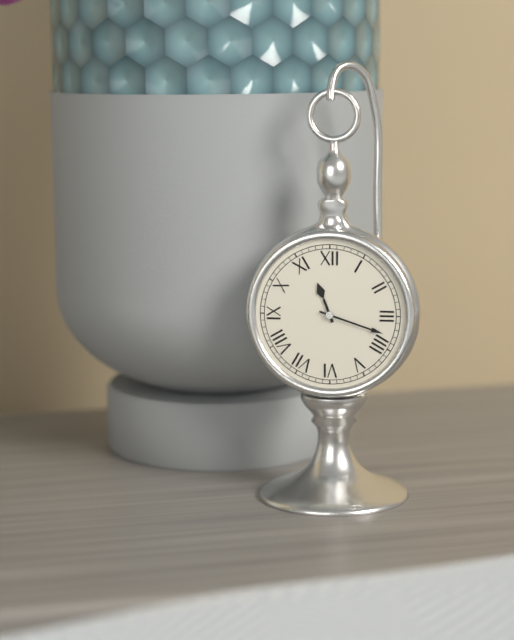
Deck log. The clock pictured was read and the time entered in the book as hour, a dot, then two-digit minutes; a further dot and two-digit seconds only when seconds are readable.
11.18
